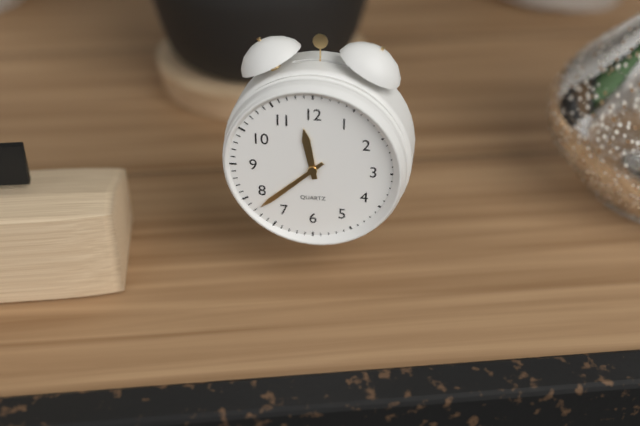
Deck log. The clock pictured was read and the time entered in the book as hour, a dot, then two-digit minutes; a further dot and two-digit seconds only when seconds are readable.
11.38
